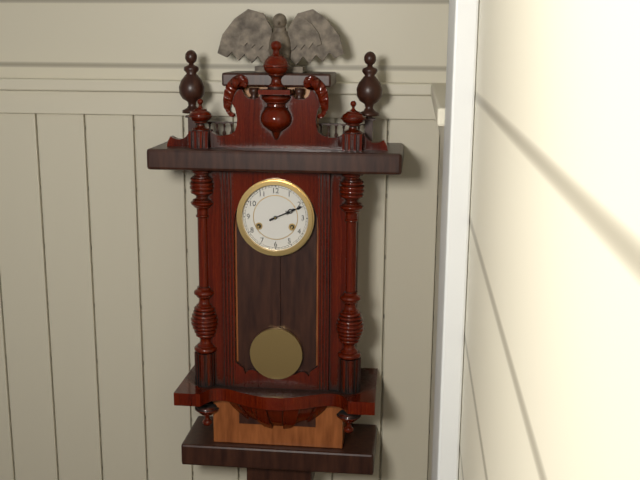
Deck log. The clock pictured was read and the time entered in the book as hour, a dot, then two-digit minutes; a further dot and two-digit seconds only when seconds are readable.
2.11
